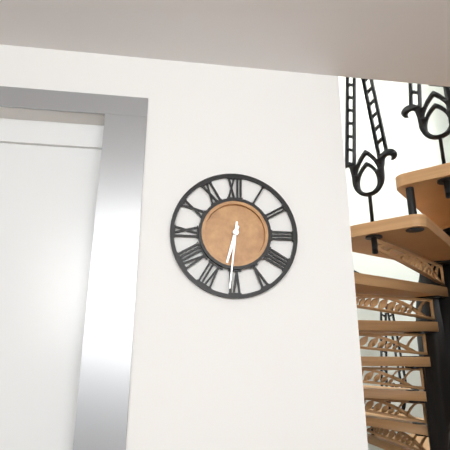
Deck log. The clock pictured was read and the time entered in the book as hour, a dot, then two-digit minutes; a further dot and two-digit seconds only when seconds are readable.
6.31
